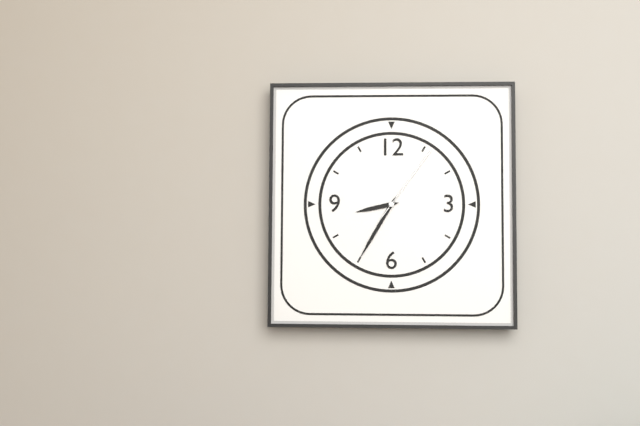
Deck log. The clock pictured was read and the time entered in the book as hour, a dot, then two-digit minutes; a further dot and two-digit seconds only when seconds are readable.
8.35.06
